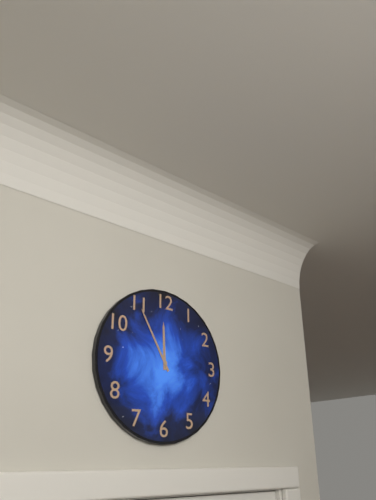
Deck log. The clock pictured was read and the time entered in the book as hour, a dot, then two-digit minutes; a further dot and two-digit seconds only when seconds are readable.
11.55
